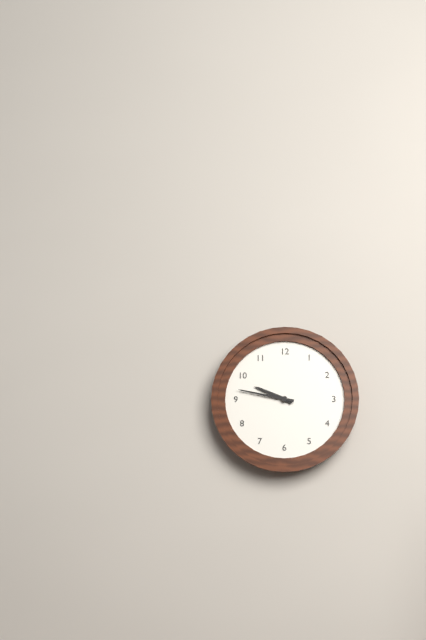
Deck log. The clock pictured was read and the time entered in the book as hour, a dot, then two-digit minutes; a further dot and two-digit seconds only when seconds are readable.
9.47
